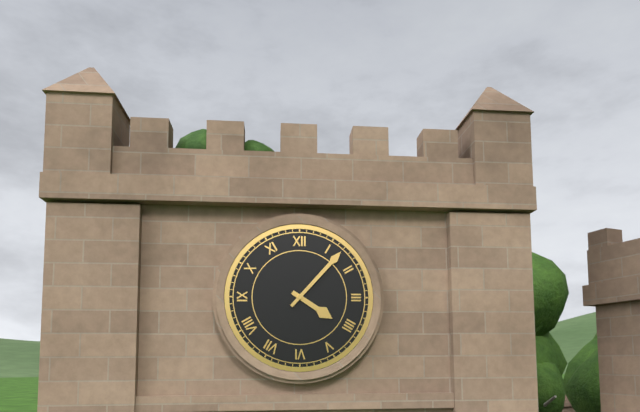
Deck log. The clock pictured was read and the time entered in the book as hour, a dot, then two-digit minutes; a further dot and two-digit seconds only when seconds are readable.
4.07
